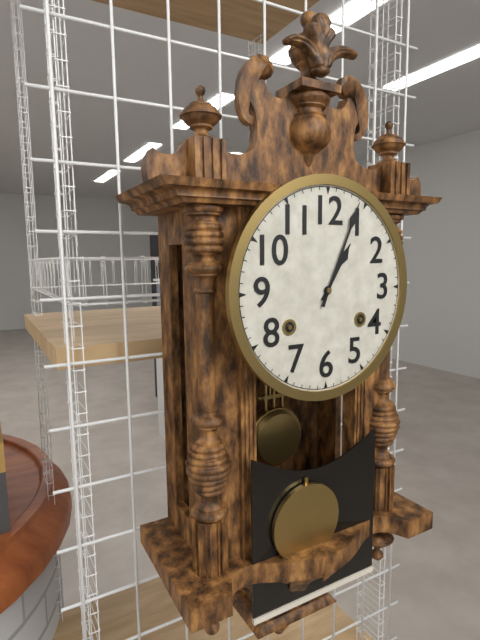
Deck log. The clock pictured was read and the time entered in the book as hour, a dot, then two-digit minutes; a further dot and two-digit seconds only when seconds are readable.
1.04
